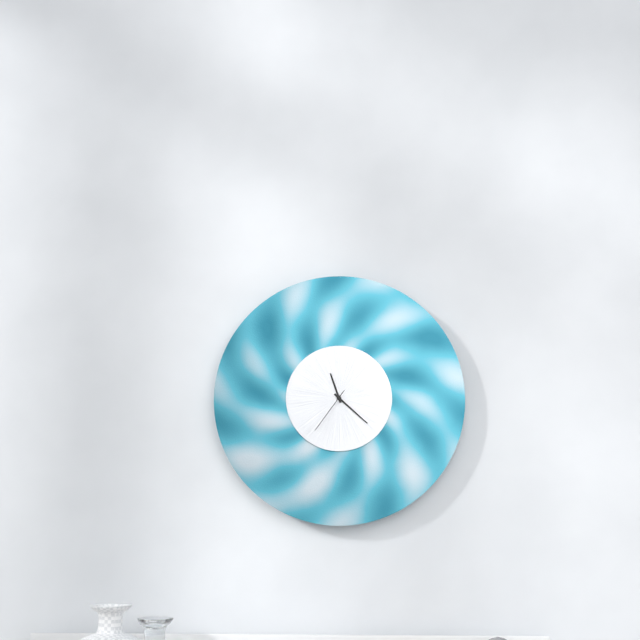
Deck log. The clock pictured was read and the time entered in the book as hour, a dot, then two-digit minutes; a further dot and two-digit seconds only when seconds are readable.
11.22.36
